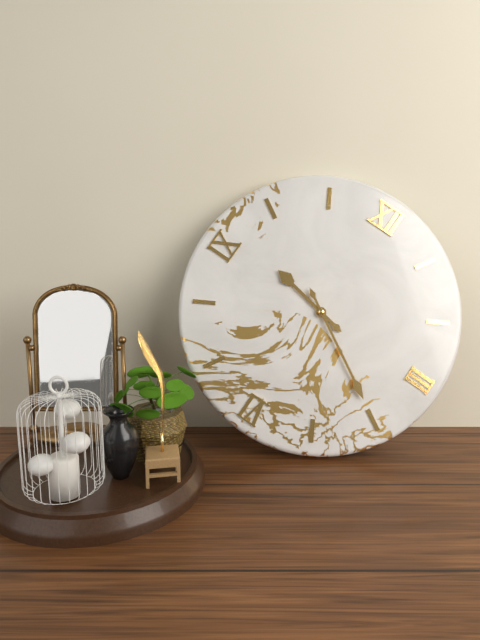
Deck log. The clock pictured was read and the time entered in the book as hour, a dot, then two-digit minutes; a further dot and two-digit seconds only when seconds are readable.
9.20
